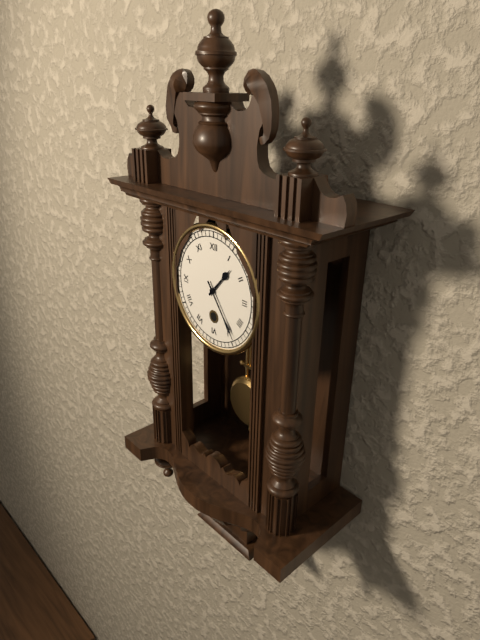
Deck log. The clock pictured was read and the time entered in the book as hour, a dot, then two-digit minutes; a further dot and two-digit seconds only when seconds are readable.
1.24
